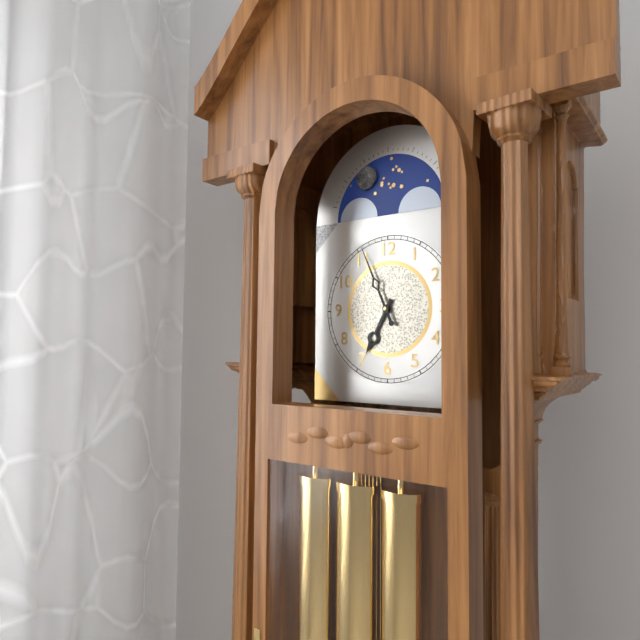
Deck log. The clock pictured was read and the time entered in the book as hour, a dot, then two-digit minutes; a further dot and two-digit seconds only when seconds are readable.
6.56
